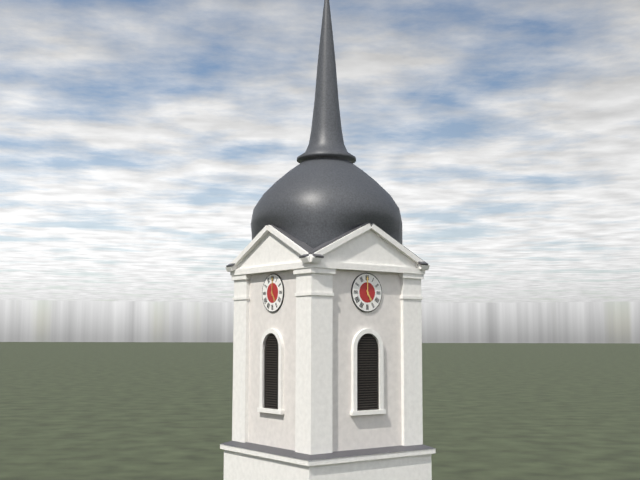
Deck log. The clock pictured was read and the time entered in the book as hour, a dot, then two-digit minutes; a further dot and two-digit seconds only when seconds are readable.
5.00
